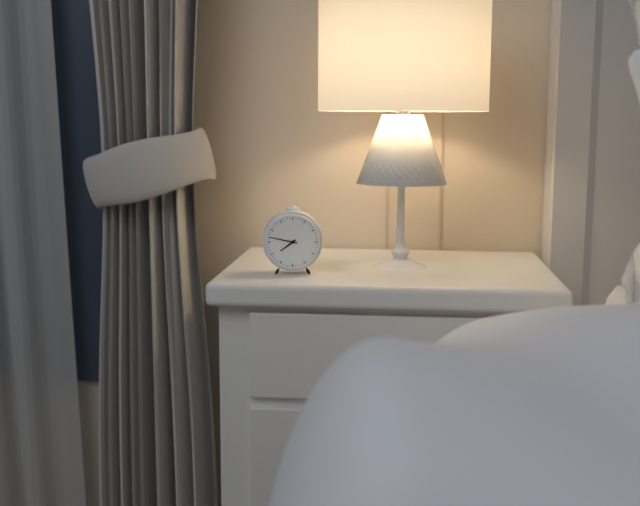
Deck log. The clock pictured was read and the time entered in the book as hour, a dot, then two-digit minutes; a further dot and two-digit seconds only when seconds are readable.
7.47
